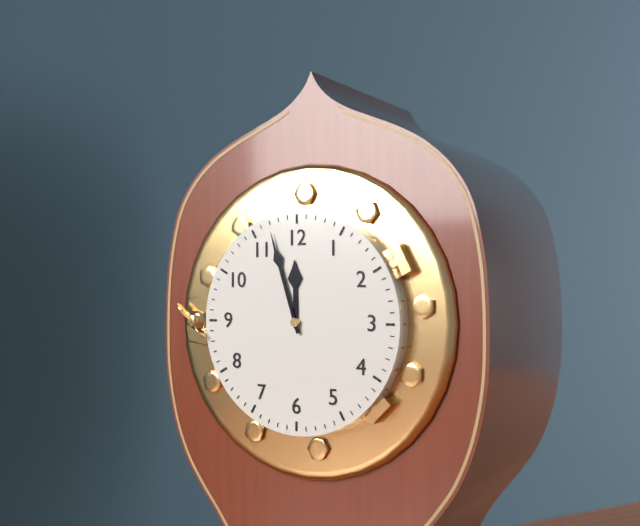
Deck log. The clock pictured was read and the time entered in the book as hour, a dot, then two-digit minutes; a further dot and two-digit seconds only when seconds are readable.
11.57
